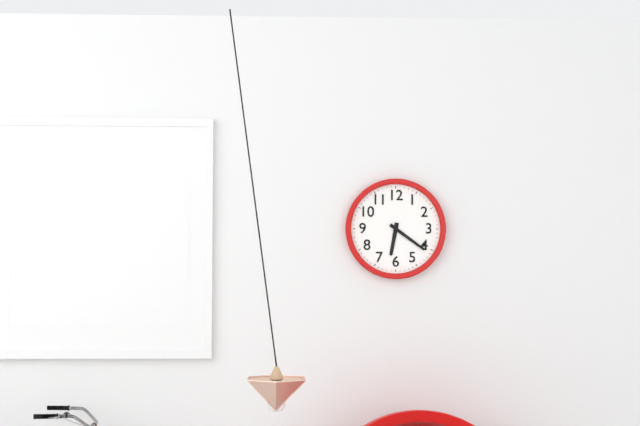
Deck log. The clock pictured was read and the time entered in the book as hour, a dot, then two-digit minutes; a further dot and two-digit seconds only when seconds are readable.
6.21
